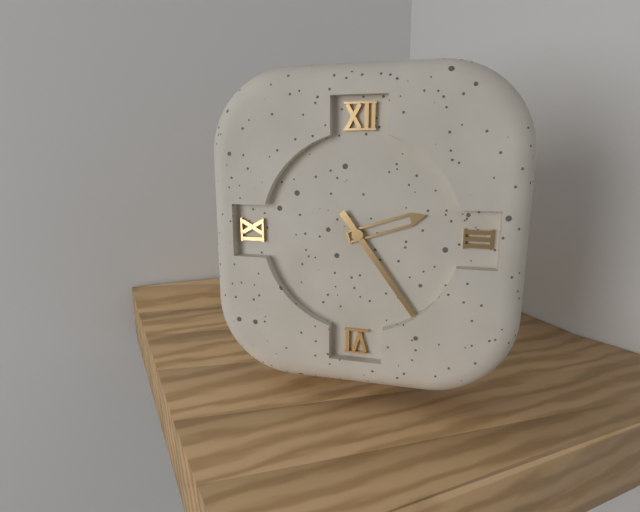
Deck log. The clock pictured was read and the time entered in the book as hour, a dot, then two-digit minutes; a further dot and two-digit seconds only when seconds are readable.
2.24
